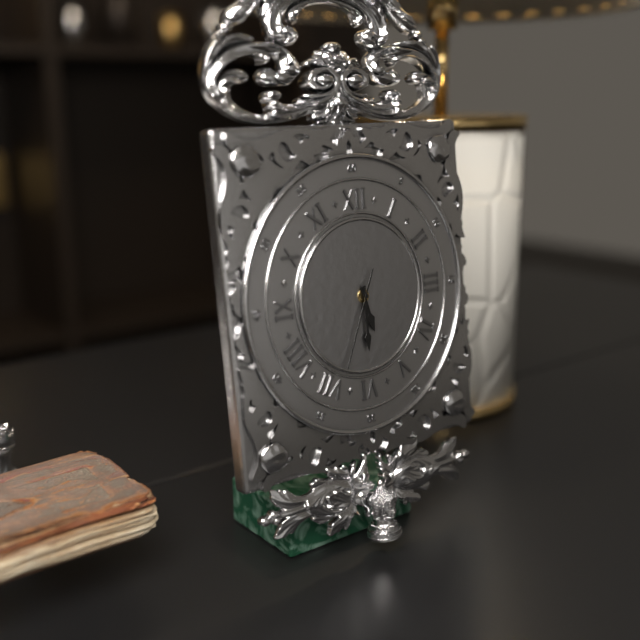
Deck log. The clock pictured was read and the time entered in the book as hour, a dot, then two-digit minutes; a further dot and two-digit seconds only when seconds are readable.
5.30.34
